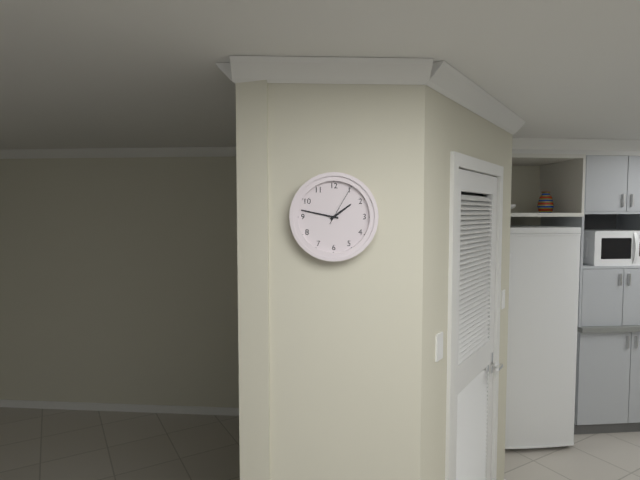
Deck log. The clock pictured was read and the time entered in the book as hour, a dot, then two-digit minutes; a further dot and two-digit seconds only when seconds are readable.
1.47
